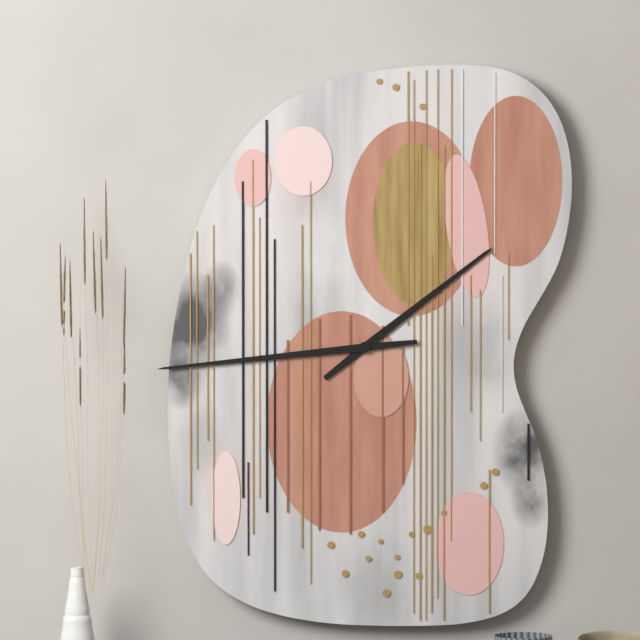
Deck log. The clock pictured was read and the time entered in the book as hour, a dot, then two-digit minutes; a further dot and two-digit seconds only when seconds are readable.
1.44
